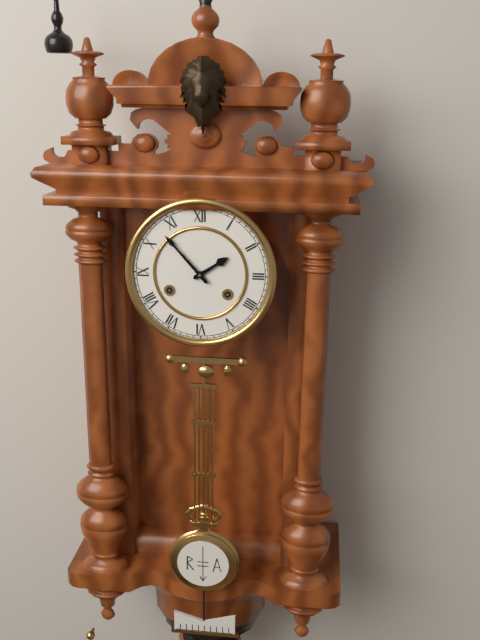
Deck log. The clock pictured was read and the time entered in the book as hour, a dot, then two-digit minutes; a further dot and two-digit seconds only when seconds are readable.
1.53
